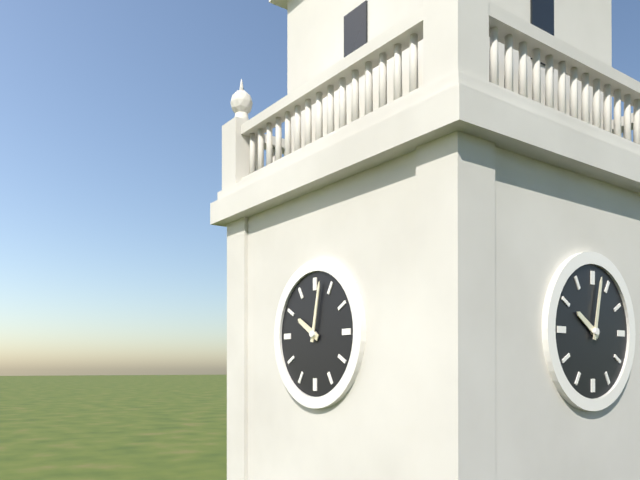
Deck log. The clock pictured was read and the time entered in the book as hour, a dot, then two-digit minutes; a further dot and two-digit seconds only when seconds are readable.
10.02
